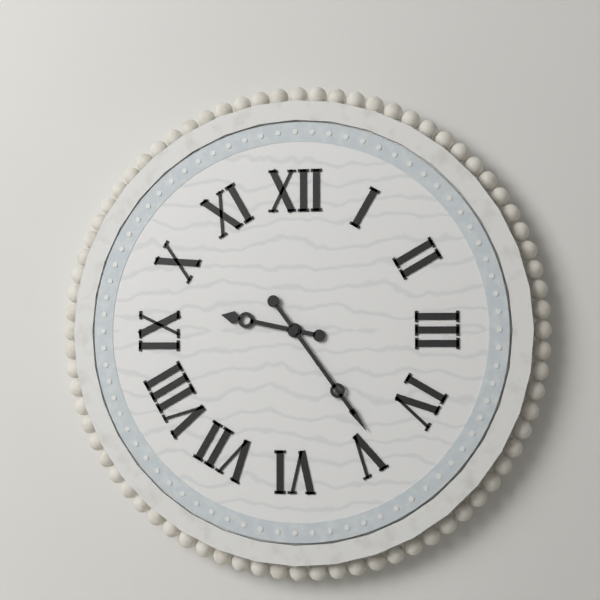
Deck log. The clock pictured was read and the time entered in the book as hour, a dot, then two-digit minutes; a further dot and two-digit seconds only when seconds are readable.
9.24
